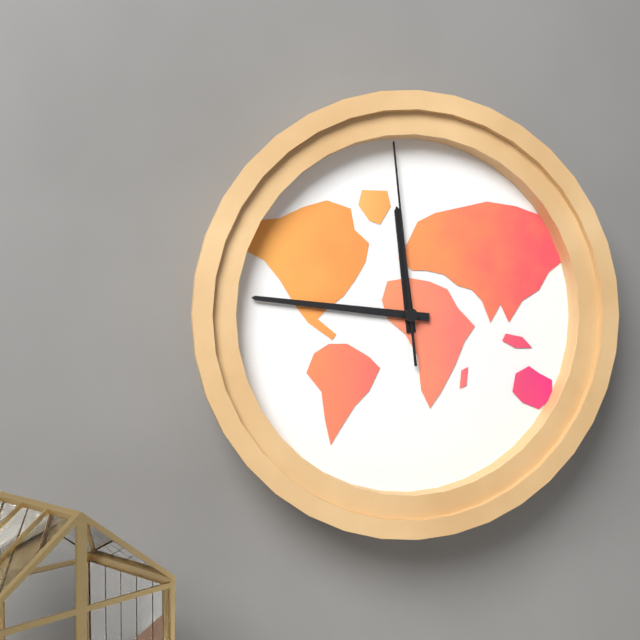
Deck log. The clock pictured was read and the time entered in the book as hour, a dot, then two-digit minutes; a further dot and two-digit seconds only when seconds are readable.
11.46.59
